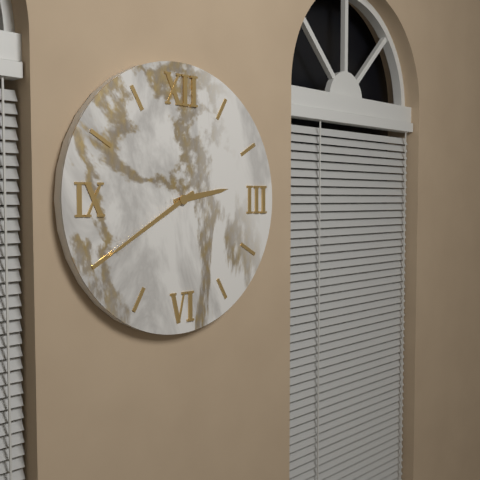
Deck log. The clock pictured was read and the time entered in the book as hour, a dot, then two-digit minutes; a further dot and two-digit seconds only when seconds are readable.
2.40
